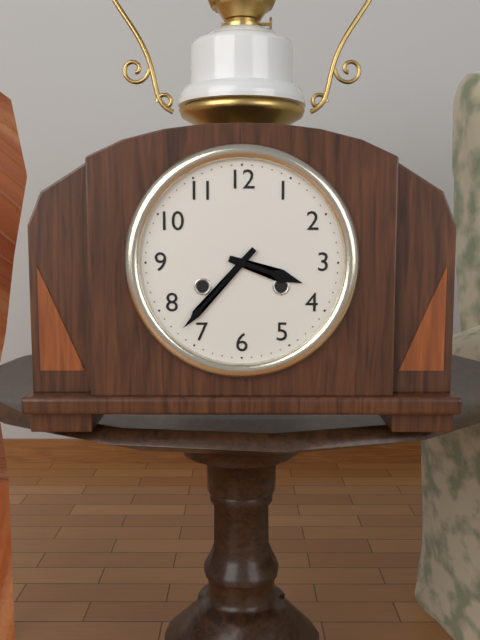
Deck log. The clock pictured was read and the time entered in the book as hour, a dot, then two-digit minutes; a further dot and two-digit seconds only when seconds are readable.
3.37
